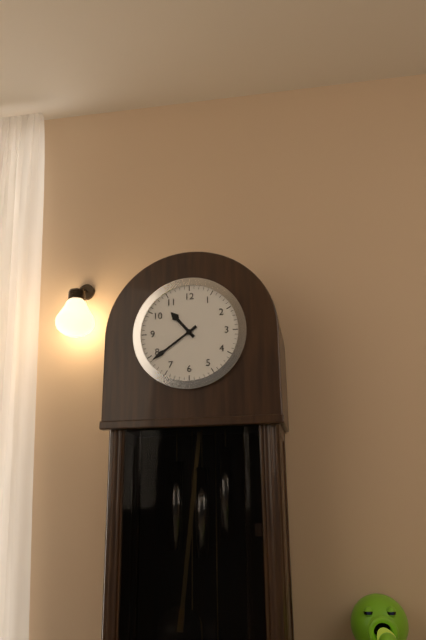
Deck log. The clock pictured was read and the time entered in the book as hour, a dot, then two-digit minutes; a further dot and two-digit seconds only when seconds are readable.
10.39
